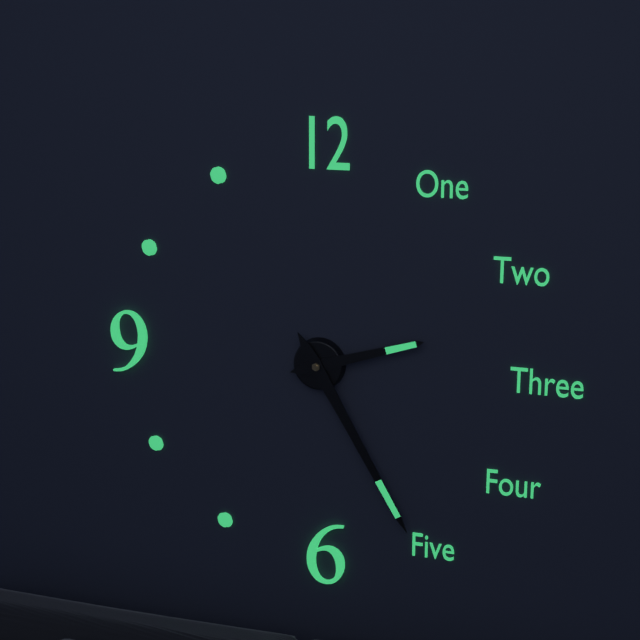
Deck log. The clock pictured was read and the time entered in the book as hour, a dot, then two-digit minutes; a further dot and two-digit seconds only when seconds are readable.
2.25
